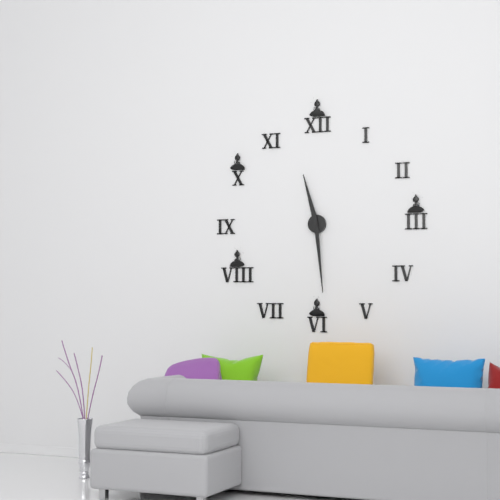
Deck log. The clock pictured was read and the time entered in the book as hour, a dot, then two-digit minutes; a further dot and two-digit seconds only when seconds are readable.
11.29
